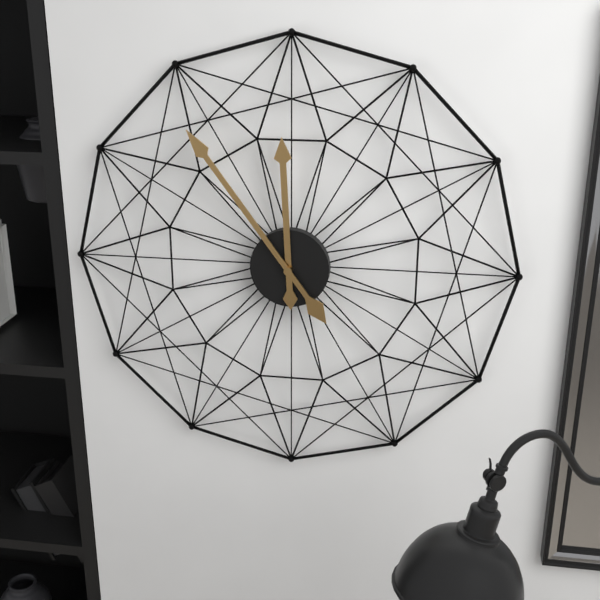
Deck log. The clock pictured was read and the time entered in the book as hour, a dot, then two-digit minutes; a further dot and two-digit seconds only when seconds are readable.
11.54
